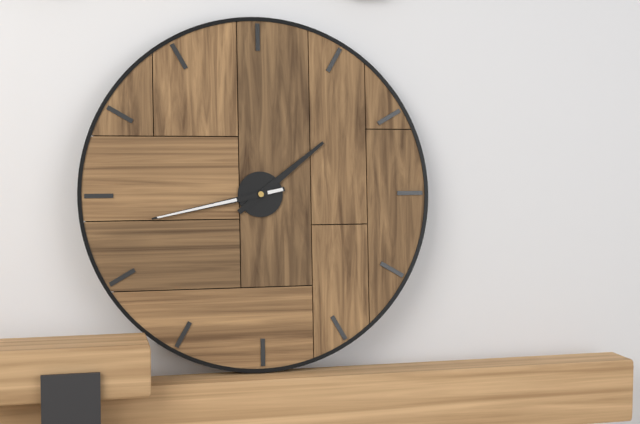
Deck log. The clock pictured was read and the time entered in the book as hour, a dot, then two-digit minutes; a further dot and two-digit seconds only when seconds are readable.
1.43
